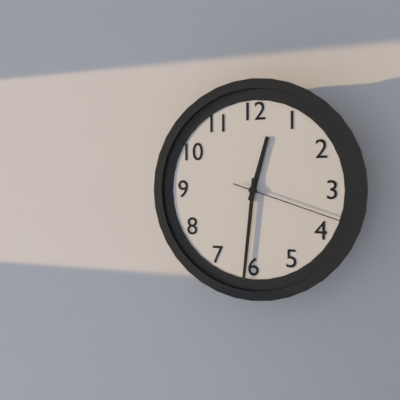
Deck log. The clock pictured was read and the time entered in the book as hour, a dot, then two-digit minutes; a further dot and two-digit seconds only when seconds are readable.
12.31.18
